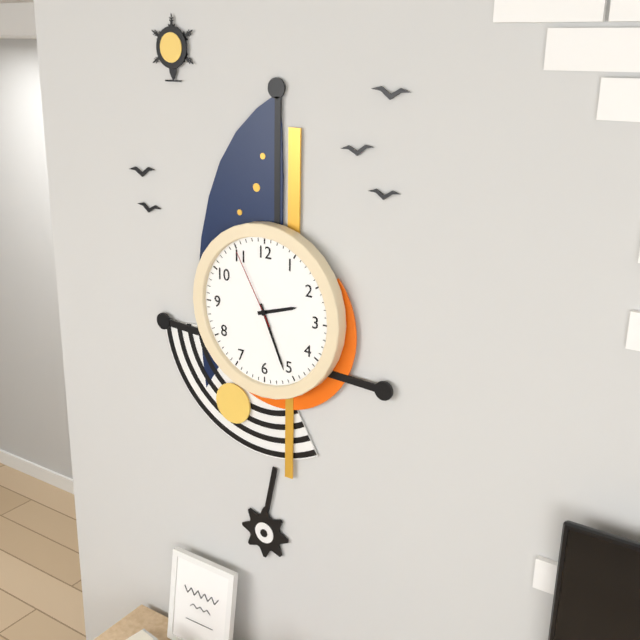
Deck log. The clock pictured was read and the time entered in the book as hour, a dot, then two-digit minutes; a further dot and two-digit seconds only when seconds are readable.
2.26.55
